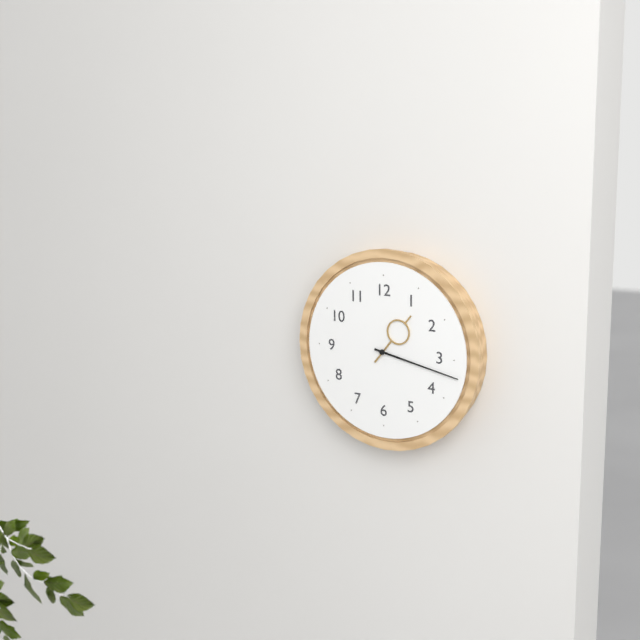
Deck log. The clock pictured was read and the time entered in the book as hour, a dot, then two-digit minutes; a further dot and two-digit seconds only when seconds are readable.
1.17
